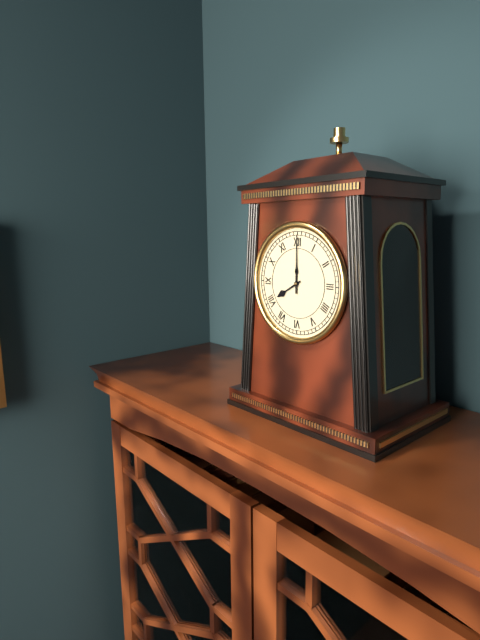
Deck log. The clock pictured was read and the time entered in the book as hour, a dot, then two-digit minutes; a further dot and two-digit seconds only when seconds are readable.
8.00
